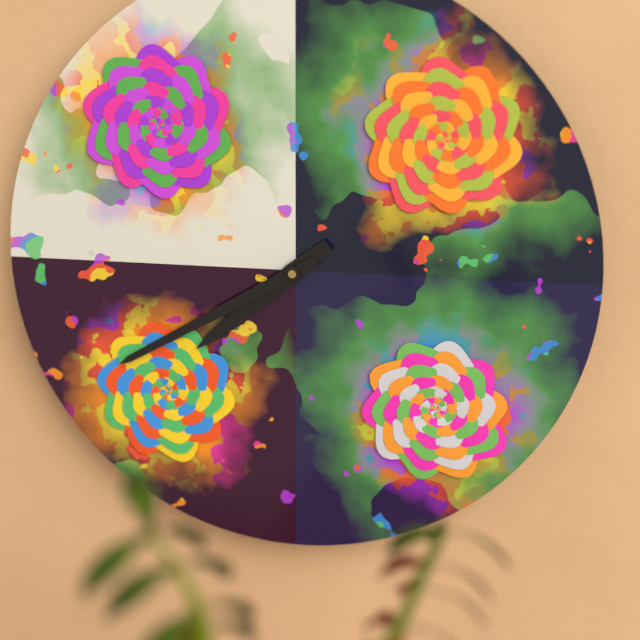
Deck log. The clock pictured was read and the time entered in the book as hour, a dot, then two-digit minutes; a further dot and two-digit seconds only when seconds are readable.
7.40
